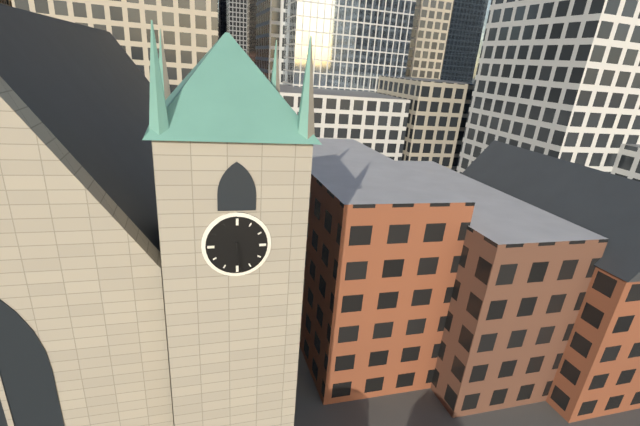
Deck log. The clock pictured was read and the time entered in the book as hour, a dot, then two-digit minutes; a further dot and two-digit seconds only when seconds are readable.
5.29
